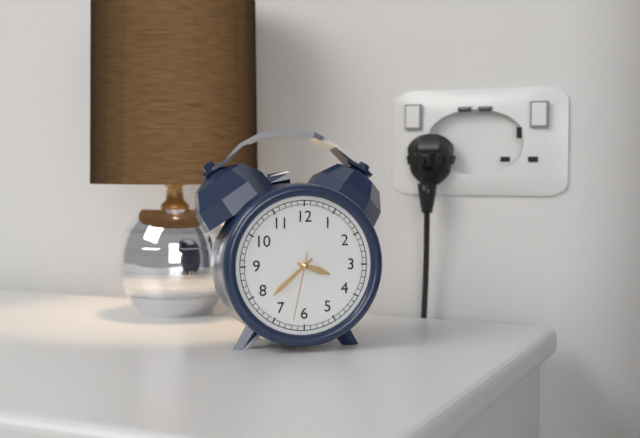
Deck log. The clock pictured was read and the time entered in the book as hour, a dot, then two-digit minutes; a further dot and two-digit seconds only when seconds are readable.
3.38.32
